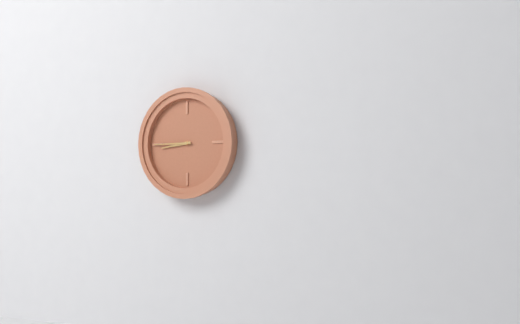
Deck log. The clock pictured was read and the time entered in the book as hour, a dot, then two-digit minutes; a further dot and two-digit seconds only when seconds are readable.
8.45
